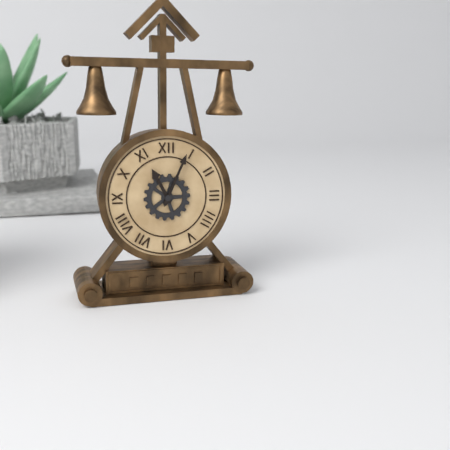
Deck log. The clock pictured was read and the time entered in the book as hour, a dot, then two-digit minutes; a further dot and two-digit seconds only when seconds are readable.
11.04
